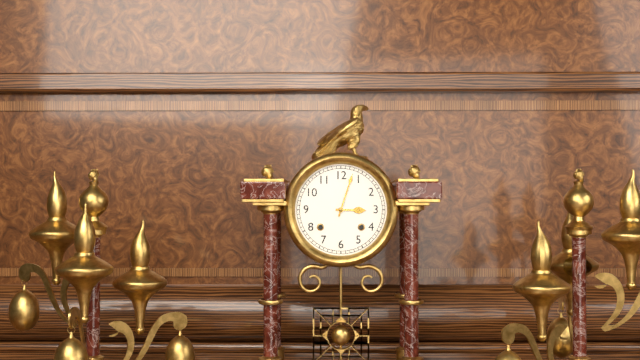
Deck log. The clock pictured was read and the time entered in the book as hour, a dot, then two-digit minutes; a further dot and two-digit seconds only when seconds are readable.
3.03
